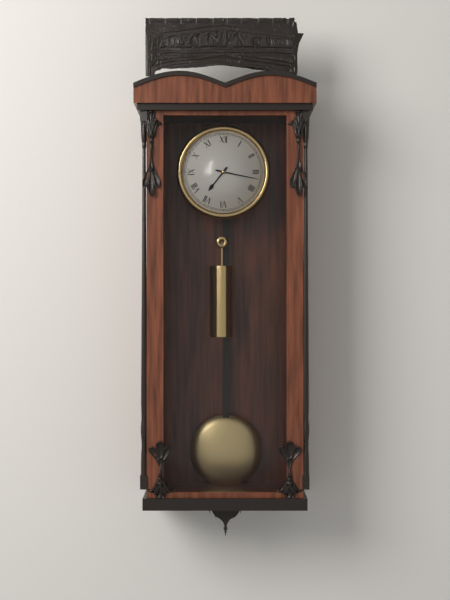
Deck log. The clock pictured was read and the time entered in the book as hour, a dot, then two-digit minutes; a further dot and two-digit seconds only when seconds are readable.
7.17
